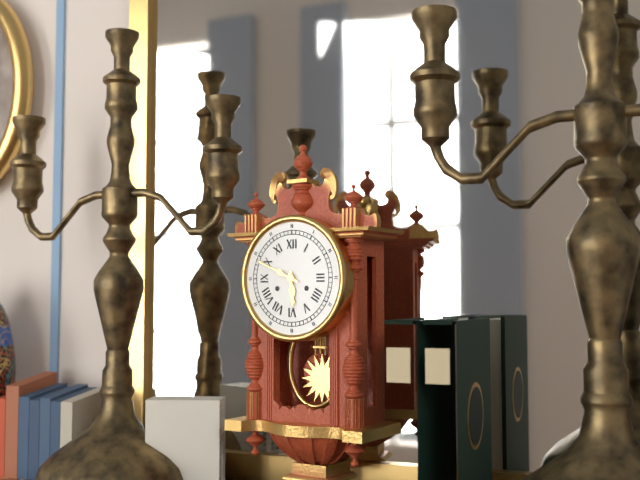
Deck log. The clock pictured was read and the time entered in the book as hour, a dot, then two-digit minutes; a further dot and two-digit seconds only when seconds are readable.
5.49
